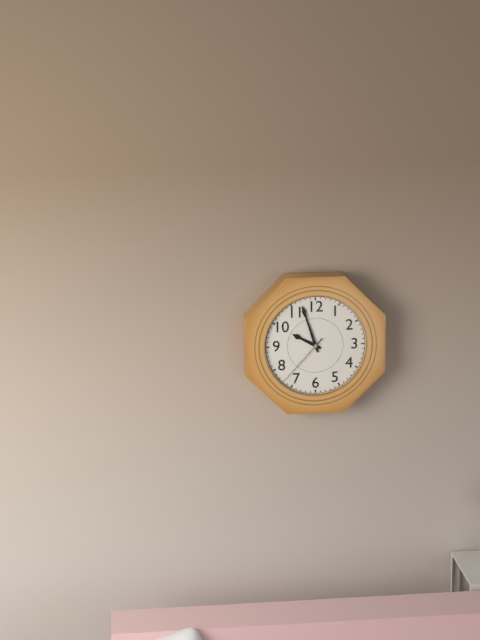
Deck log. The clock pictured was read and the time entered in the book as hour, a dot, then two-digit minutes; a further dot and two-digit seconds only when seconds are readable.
9.57.37
